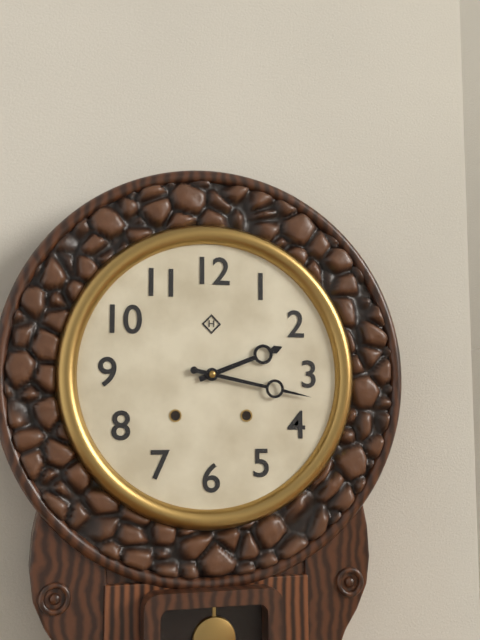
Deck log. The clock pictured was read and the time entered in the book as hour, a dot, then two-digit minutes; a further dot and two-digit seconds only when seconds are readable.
2.17
